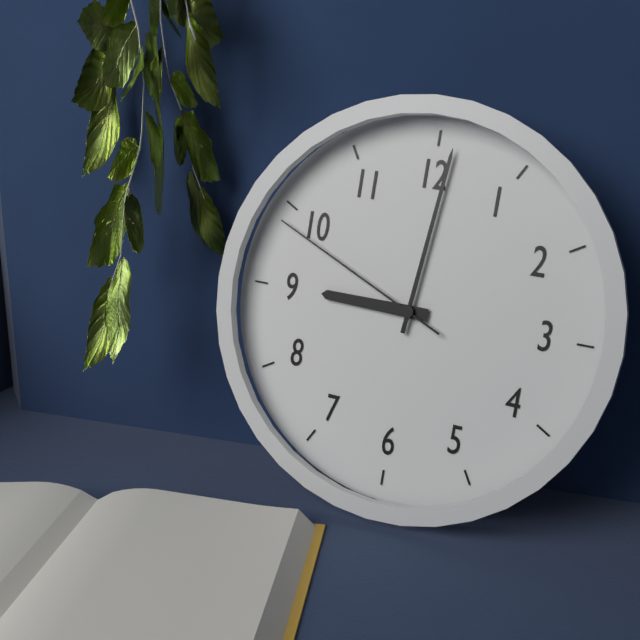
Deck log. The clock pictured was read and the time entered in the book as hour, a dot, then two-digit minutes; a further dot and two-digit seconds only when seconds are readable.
9.01.49
